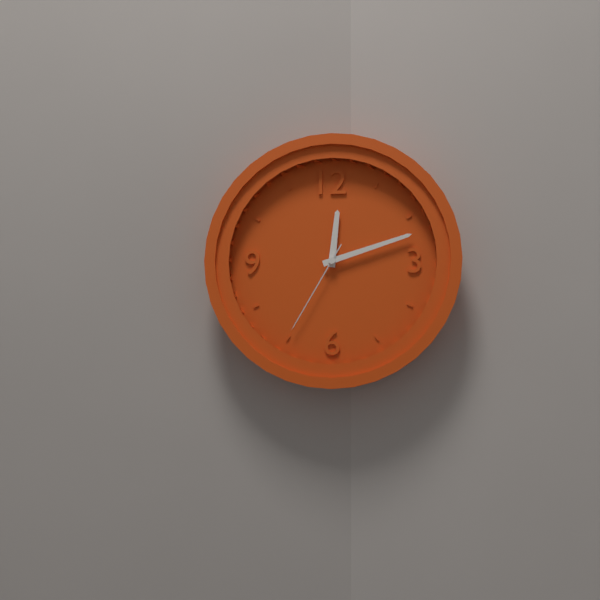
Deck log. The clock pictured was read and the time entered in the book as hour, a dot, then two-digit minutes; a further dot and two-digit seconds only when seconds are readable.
12.12.35
